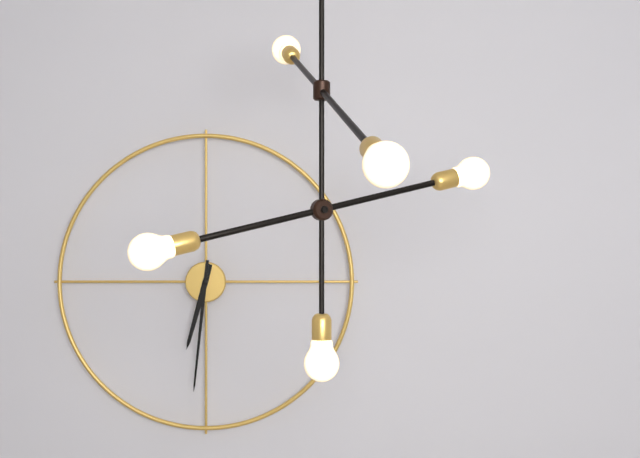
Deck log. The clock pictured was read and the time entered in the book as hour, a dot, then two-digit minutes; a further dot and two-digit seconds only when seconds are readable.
6.31
